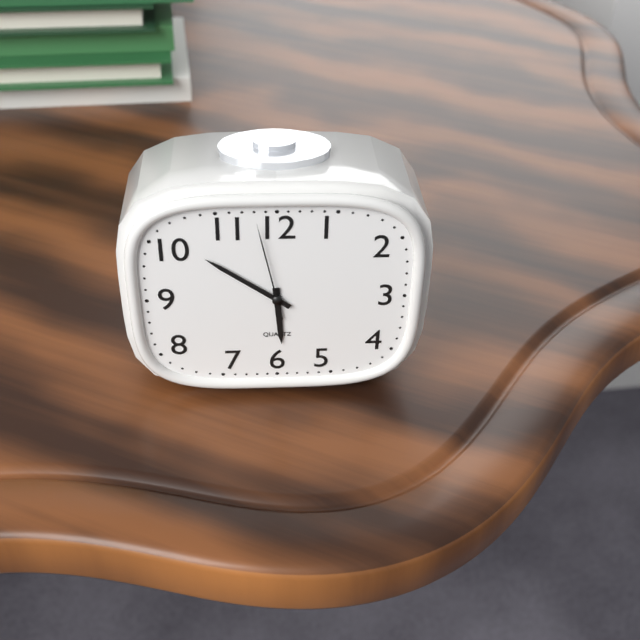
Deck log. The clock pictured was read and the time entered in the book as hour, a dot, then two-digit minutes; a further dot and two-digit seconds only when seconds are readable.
5.51.58
